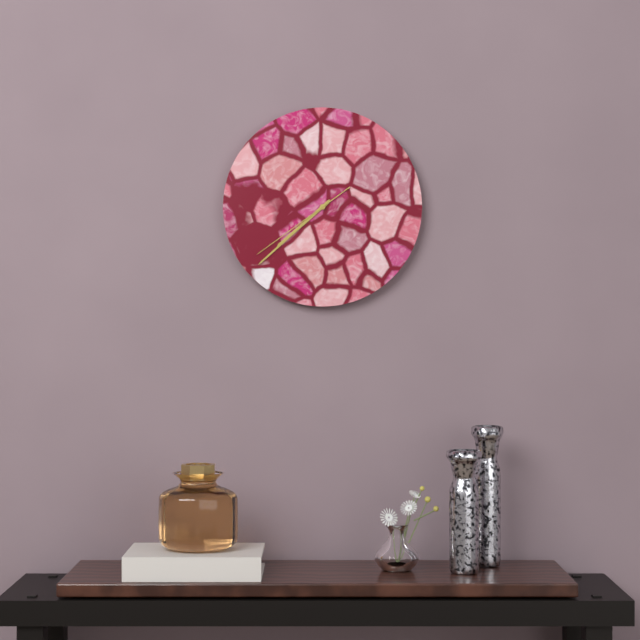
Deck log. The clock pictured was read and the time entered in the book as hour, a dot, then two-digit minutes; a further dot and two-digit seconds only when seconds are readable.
7.38.39
